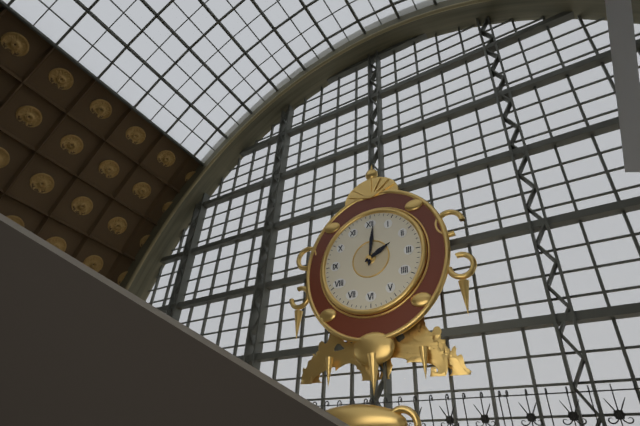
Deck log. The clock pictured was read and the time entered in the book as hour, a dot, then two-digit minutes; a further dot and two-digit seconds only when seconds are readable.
2.01
